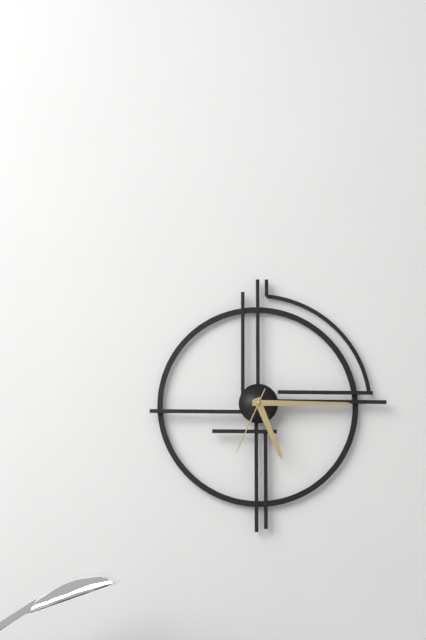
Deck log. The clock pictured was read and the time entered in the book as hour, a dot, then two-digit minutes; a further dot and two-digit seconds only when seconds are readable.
5.15.34
